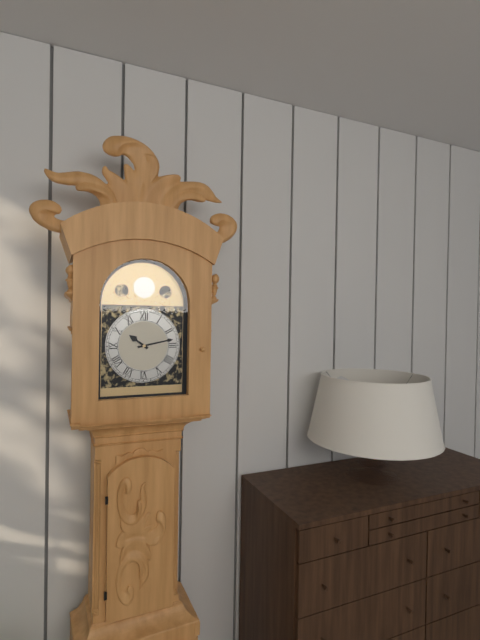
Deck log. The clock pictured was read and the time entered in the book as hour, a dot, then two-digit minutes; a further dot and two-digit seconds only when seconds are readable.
10.13
